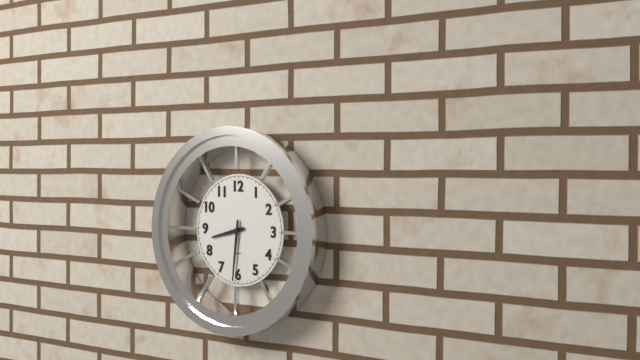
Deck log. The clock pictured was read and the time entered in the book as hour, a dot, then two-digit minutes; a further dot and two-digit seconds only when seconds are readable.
8.31
